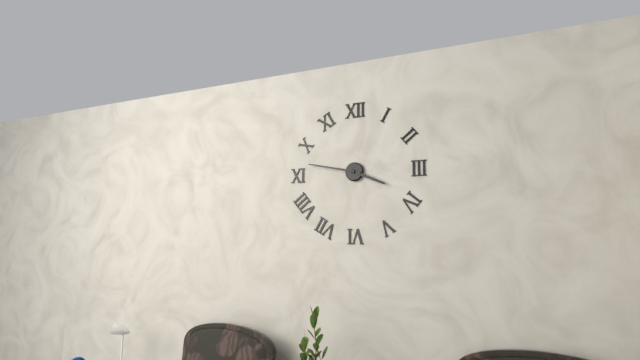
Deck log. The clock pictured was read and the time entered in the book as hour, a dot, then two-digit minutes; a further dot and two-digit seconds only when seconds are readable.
3.47
